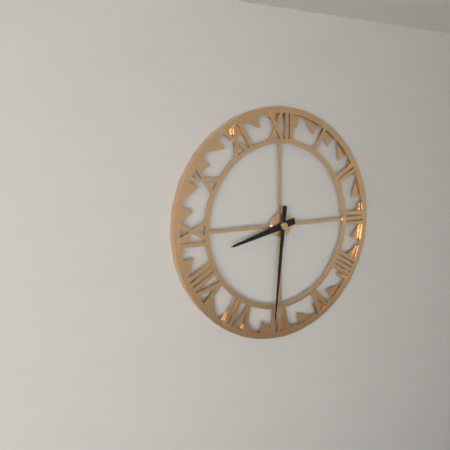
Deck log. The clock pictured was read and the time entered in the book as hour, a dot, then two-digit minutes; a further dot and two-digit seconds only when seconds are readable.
8.31
